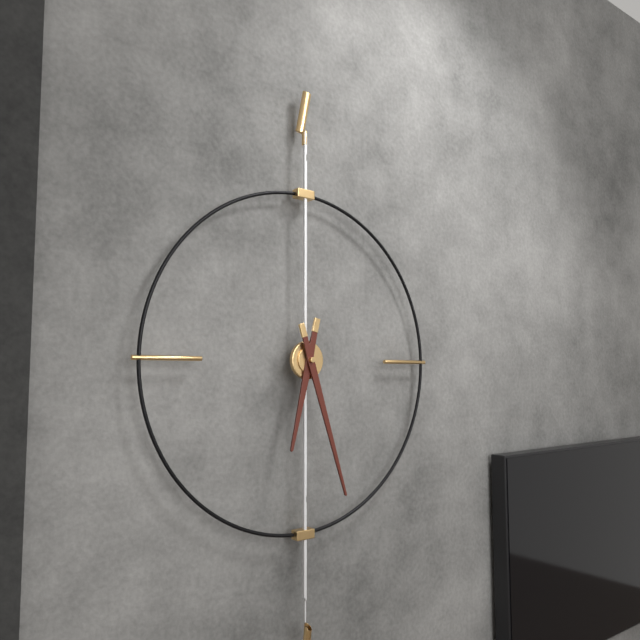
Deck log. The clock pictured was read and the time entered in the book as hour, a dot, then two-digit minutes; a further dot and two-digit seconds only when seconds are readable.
6.27
